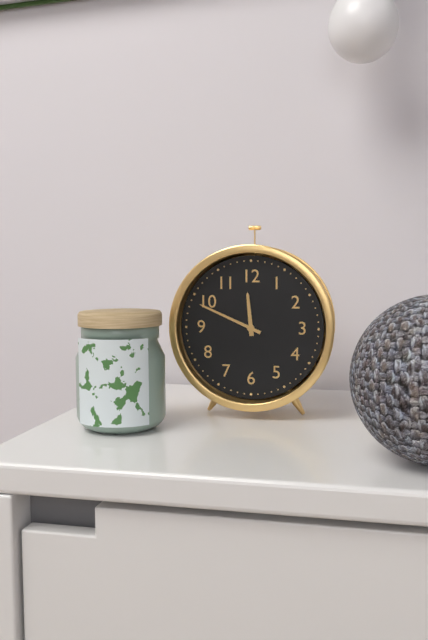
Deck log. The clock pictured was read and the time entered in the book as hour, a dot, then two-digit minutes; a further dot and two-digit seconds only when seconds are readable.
11.49
